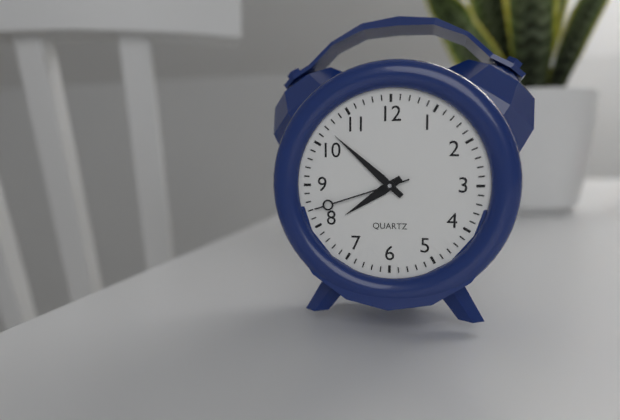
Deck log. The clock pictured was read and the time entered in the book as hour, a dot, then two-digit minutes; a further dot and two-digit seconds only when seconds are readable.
7.52.42
